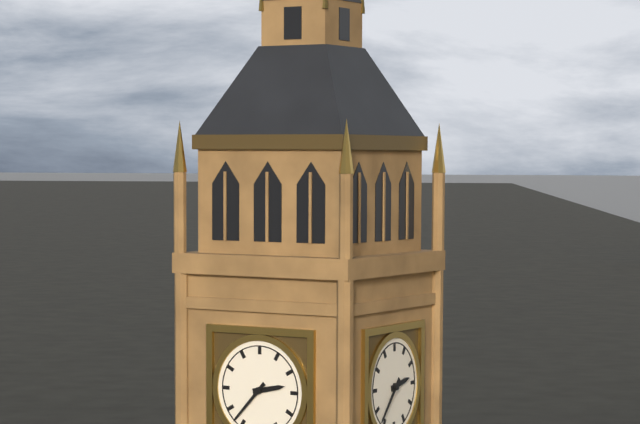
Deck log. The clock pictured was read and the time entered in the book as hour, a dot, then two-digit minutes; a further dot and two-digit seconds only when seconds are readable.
2.37
